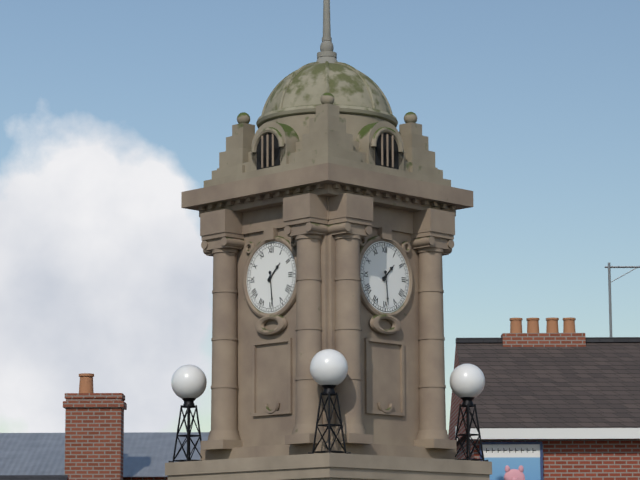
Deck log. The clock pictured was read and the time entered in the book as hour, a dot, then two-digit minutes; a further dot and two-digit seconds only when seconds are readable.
1.29
